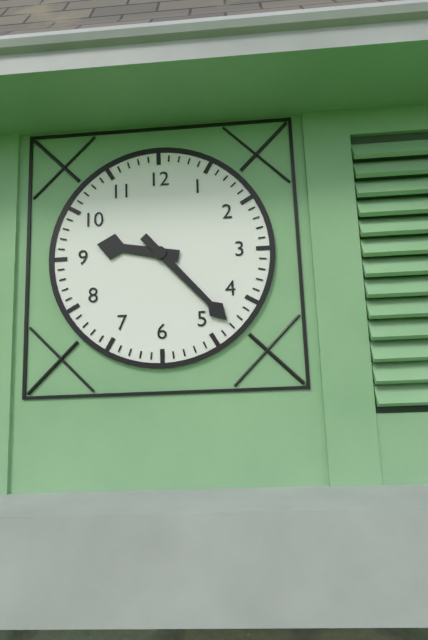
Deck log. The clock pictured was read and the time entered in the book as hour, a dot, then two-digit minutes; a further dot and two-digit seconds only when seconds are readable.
9.23
